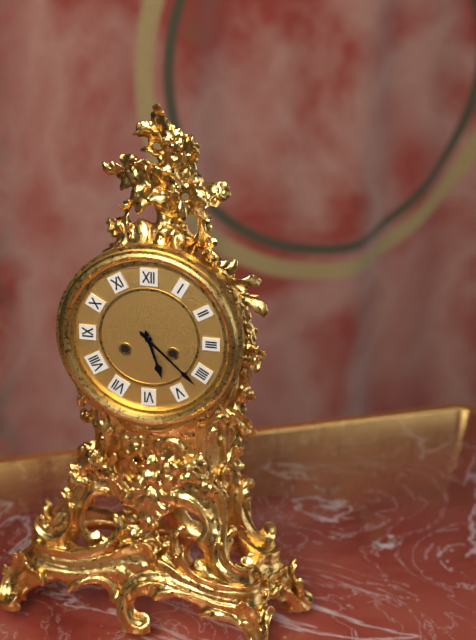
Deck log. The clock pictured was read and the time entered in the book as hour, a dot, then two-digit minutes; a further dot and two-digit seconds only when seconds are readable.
5.22
